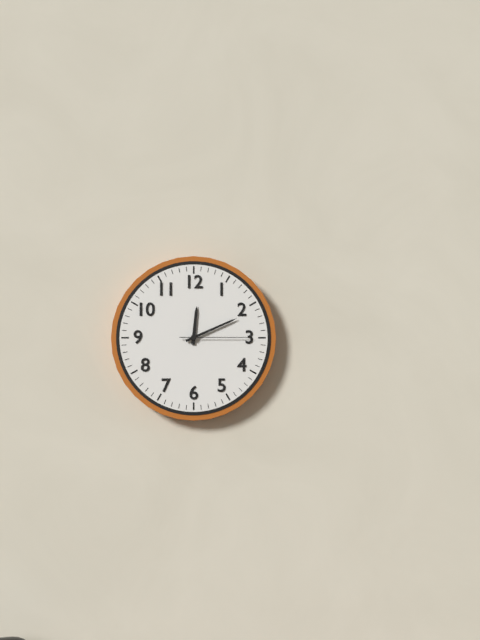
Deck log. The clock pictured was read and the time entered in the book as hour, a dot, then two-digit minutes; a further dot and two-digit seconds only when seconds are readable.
12.11.15
